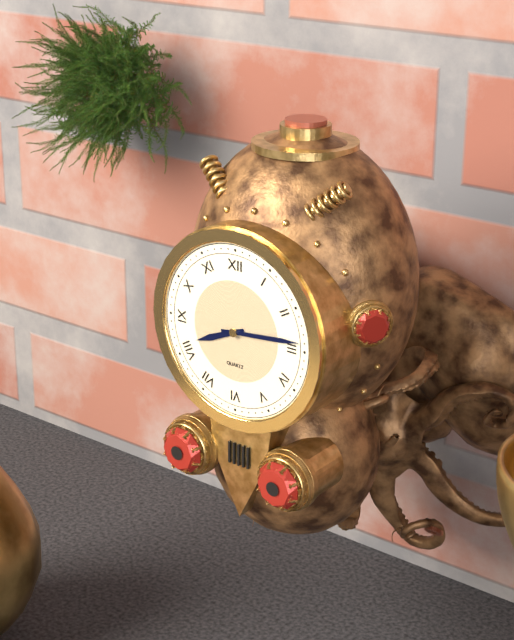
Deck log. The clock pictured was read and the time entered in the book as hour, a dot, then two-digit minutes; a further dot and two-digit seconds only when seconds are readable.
8.14
